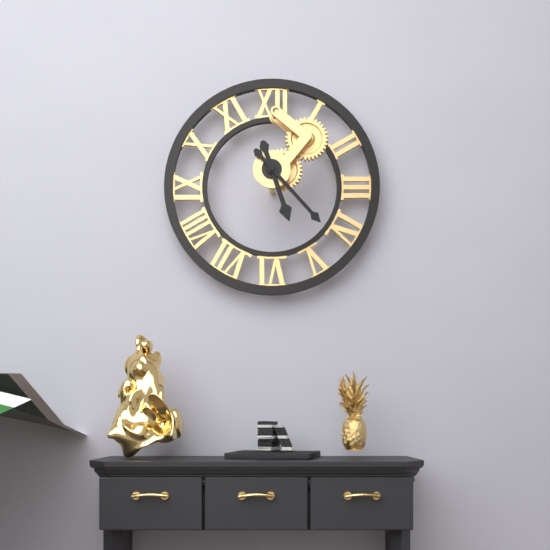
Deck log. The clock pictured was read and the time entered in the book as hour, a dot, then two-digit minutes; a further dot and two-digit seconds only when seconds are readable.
5.23
